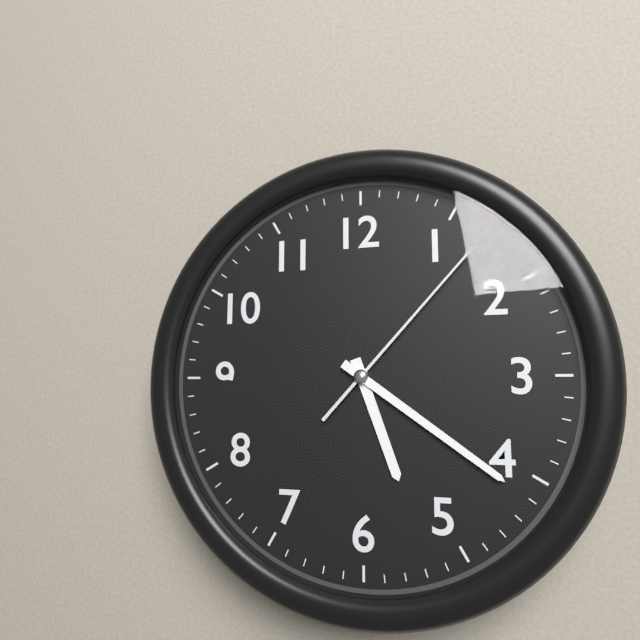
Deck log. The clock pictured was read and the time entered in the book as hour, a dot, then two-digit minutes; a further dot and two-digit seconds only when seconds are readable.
5.21.07
